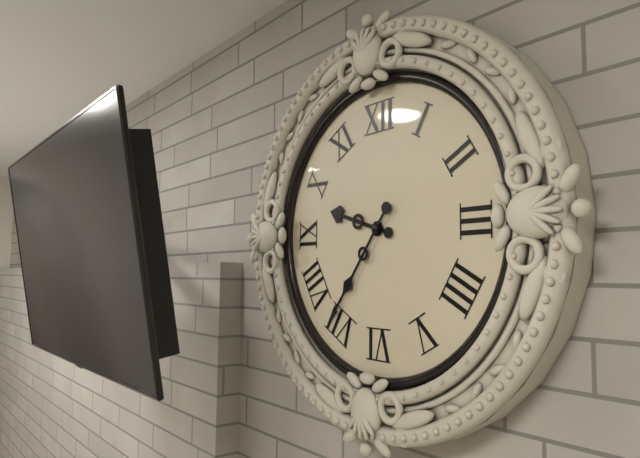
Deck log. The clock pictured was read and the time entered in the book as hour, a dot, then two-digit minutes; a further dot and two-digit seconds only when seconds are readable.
9.36
